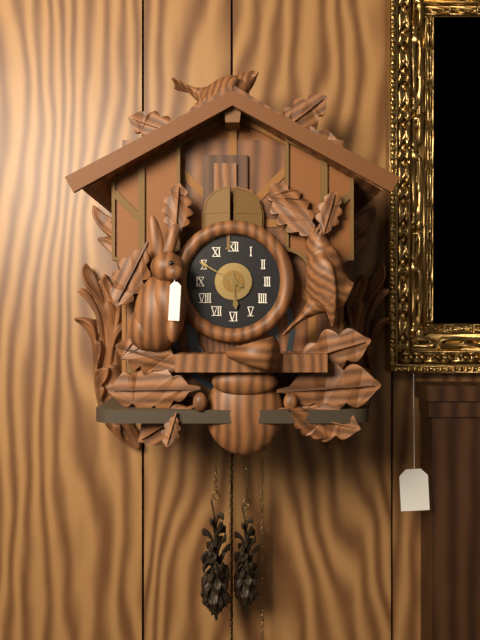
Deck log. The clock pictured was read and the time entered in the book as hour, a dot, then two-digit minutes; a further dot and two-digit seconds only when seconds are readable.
5.50
